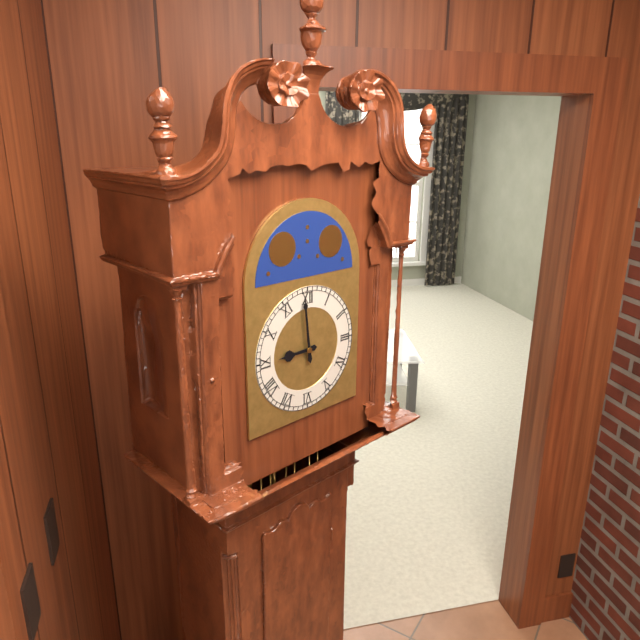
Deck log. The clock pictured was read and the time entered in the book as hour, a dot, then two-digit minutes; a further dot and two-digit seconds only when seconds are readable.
8.59
